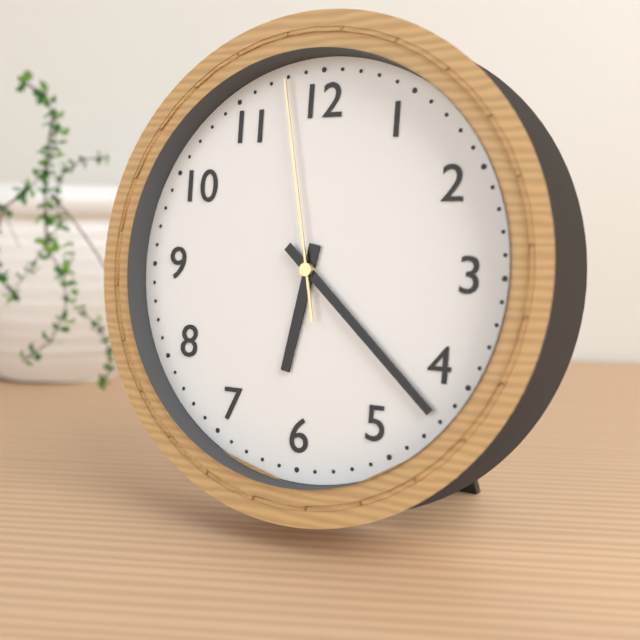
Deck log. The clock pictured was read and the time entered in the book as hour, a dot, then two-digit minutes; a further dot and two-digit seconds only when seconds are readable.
6.22.58
